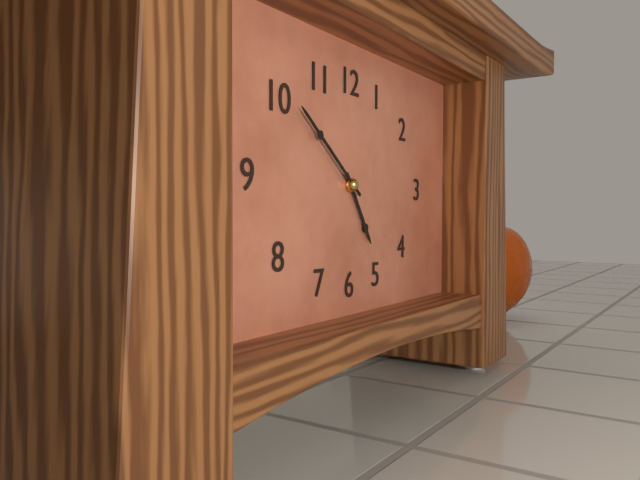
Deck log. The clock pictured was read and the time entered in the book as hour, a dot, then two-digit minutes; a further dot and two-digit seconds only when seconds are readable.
4.51
